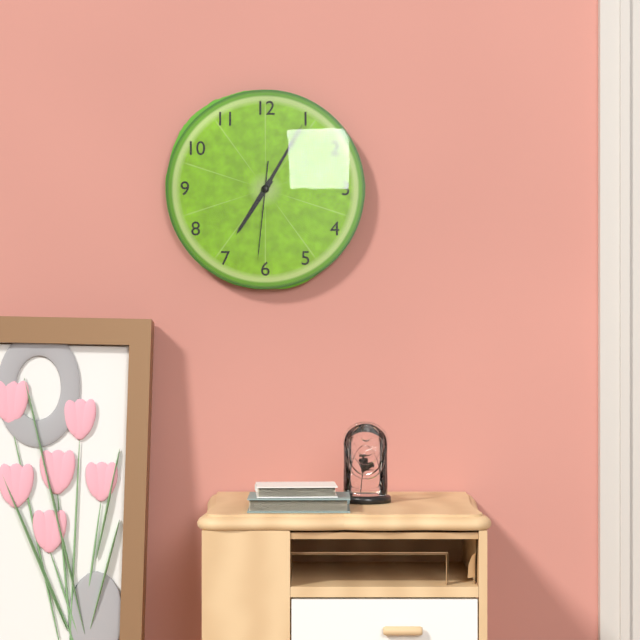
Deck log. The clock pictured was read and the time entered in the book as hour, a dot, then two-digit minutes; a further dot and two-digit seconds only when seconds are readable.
7.05.31
